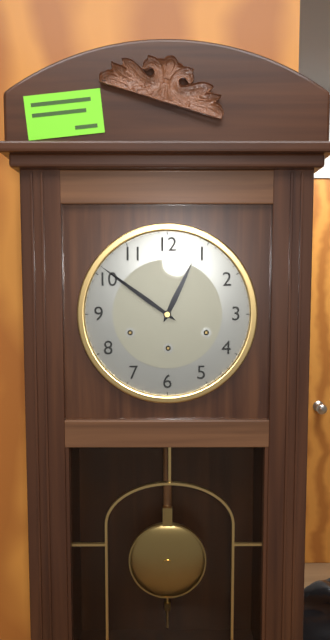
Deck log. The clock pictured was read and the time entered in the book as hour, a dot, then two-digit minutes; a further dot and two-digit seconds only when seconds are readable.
12.51
